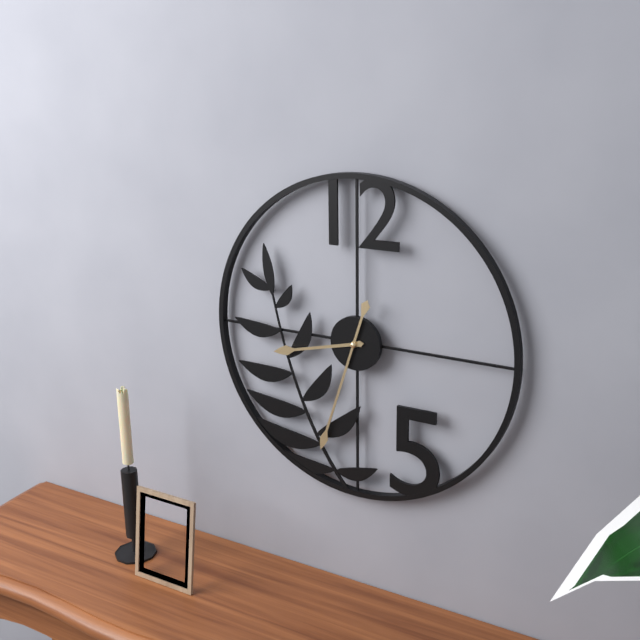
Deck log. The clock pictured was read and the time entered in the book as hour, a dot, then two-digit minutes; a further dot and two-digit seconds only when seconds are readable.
8.33
